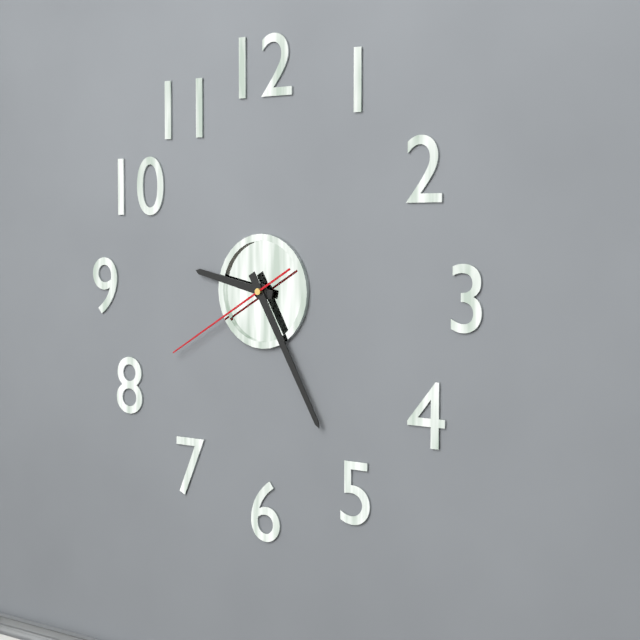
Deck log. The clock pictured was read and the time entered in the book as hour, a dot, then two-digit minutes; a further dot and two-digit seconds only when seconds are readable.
9.25.40
